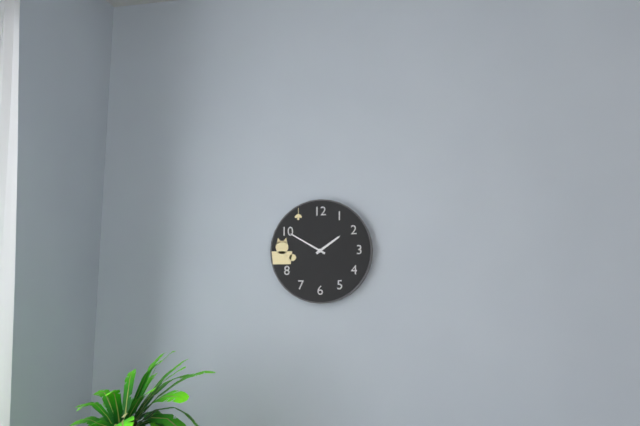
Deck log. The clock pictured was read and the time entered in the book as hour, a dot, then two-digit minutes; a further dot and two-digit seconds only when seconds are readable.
1.50
